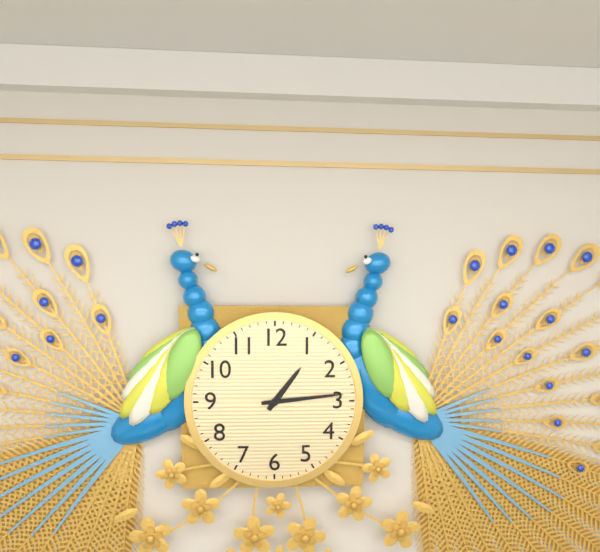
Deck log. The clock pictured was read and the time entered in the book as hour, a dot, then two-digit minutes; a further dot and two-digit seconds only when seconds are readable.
1.14
